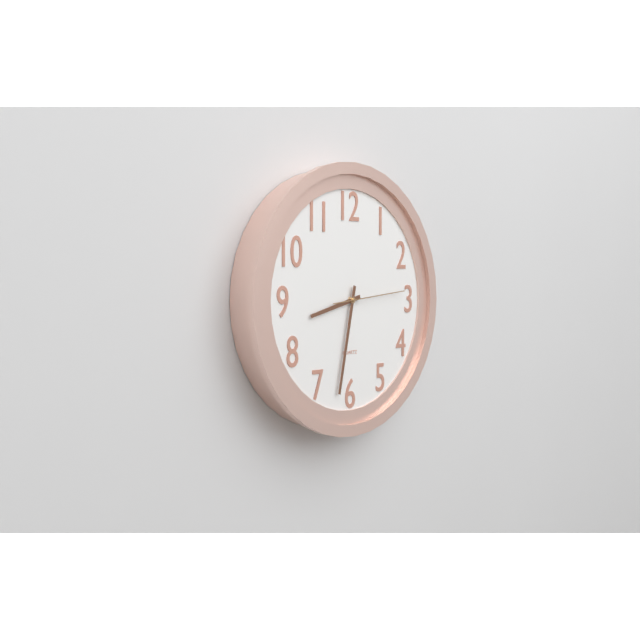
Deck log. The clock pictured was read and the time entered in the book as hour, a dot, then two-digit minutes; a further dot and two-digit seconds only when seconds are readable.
8.32.14
